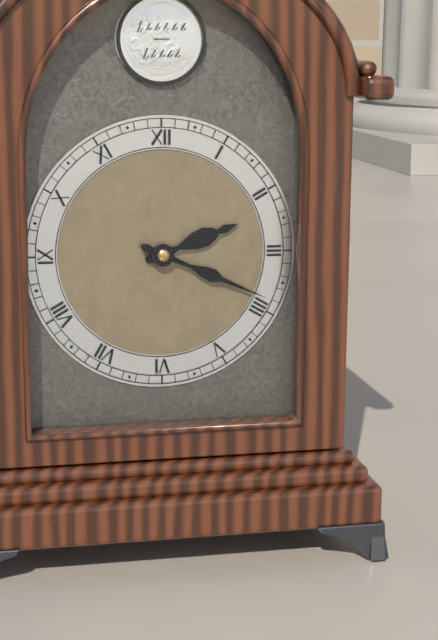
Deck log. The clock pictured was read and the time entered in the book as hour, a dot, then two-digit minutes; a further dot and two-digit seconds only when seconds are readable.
2.19
